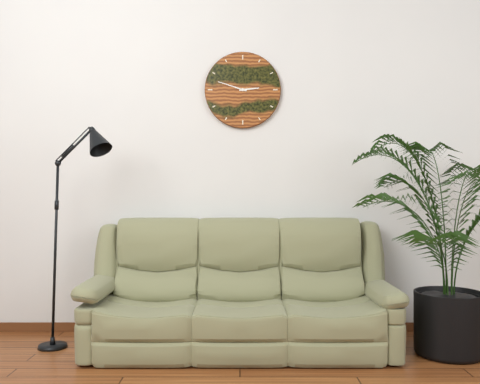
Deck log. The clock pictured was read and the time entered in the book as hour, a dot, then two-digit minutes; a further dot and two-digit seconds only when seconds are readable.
2.48
